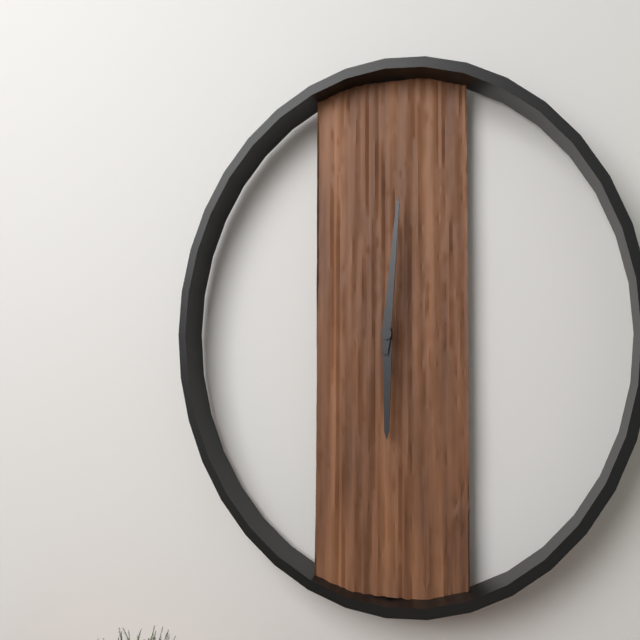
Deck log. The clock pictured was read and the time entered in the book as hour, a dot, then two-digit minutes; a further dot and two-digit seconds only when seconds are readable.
6.01
